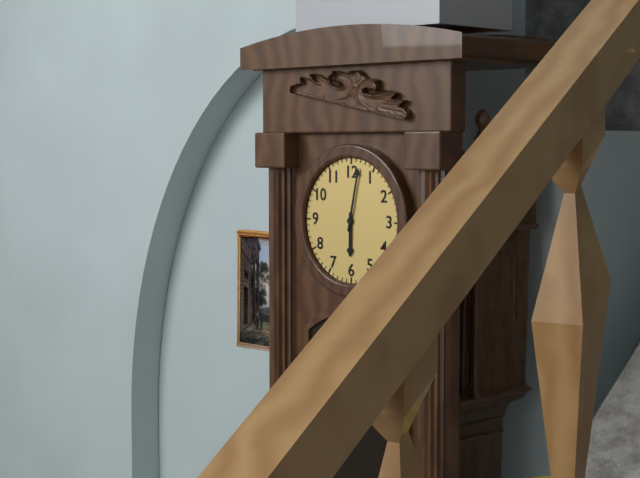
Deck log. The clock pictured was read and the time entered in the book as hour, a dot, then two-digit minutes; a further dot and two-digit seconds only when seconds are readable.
6.02
